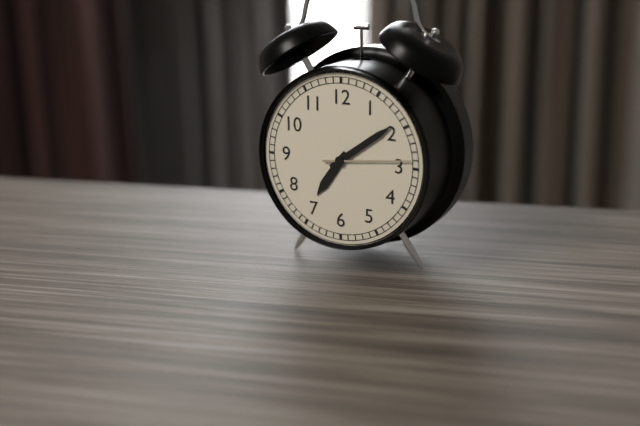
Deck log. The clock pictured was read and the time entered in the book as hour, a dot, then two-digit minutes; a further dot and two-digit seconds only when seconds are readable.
7.09.14
